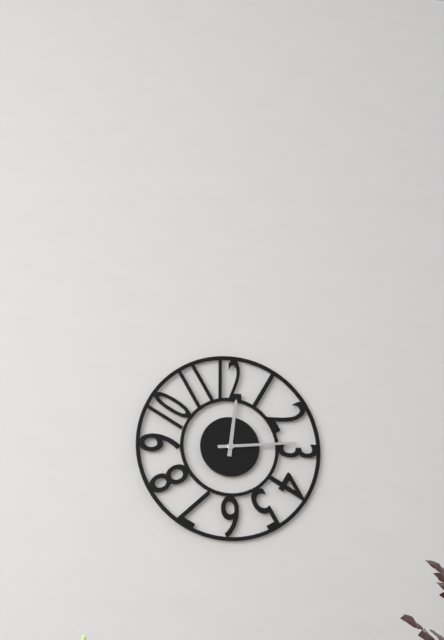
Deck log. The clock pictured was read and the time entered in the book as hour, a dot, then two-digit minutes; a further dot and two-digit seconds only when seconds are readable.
12.14
